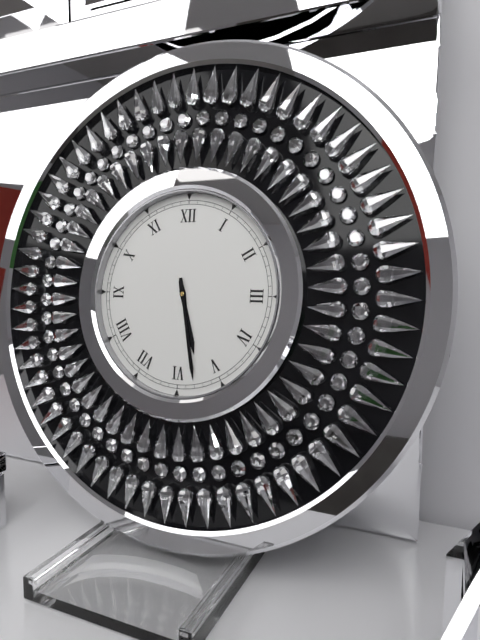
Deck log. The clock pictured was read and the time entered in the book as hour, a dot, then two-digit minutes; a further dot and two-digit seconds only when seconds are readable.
5.28
